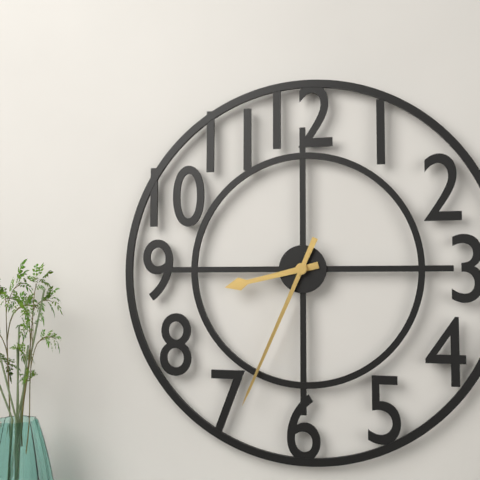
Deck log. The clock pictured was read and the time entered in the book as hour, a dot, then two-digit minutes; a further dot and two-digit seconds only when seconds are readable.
8.34
